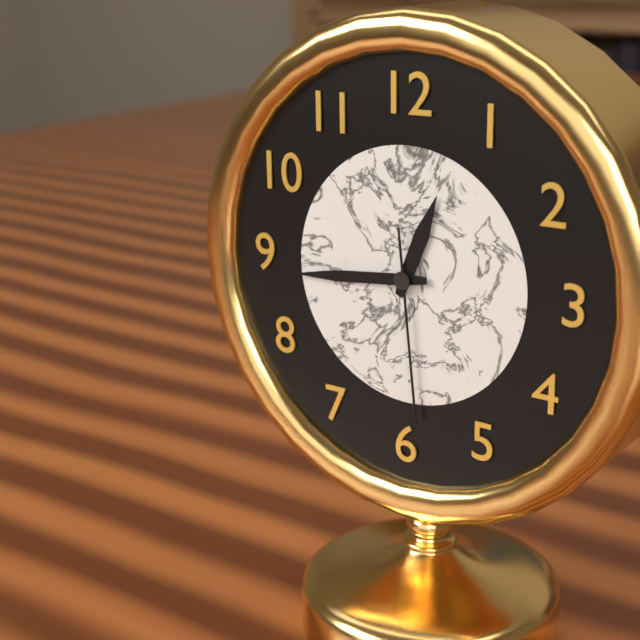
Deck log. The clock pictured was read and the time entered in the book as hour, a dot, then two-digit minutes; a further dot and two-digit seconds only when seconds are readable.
12.44.29
